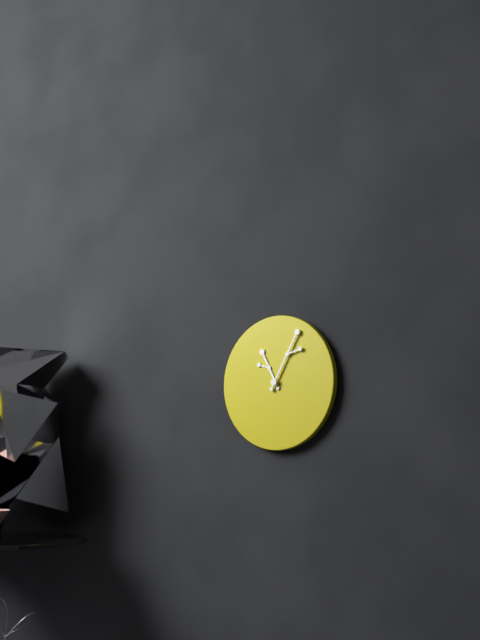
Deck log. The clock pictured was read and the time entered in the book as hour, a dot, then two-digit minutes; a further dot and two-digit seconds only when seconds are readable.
11.05
